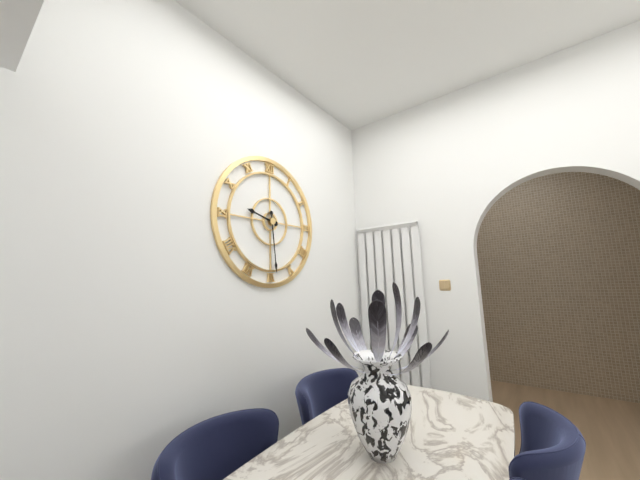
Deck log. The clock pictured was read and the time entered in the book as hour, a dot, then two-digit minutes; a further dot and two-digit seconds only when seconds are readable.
9.29
